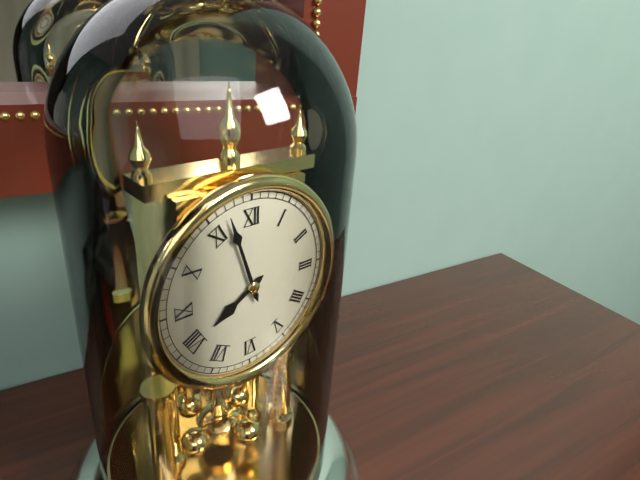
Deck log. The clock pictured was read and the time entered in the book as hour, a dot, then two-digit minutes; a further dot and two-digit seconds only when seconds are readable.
7.57
